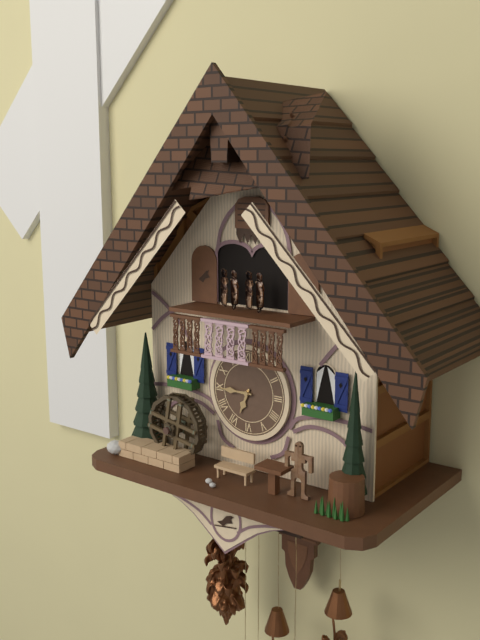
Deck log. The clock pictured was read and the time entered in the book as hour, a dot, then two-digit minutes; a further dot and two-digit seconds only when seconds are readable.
6.45
